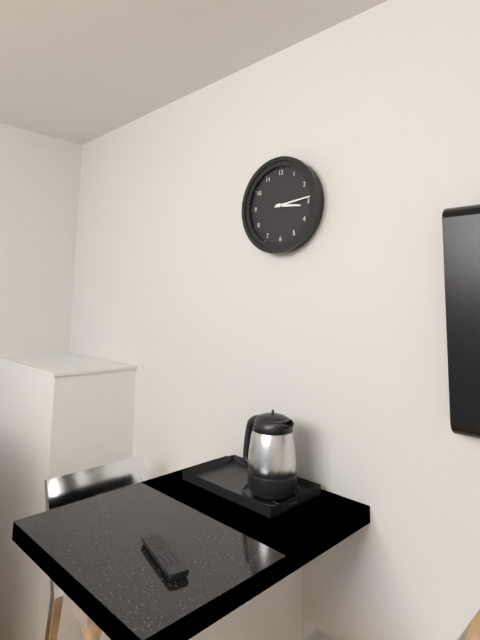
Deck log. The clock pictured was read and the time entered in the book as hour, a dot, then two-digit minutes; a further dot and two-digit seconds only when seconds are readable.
3.14
